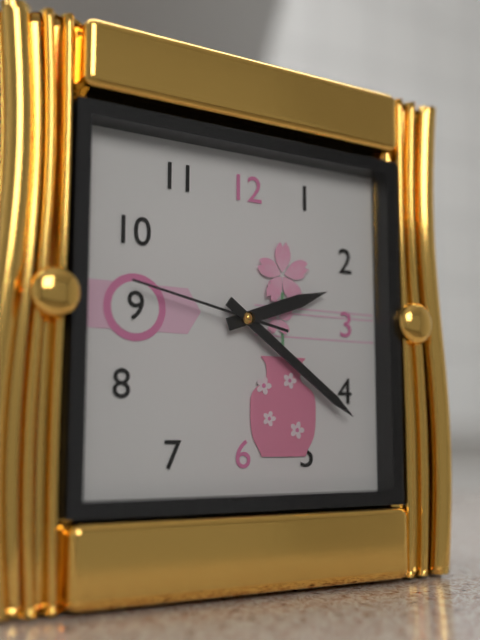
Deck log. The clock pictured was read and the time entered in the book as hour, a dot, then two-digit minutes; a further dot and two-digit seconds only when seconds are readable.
2.21.47
